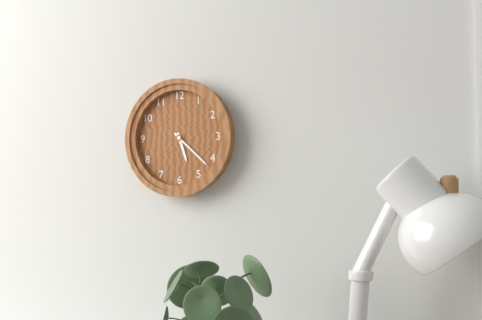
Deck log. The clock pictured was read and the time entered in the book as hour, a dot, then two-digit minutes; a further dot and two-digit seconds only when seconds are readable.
5.22
